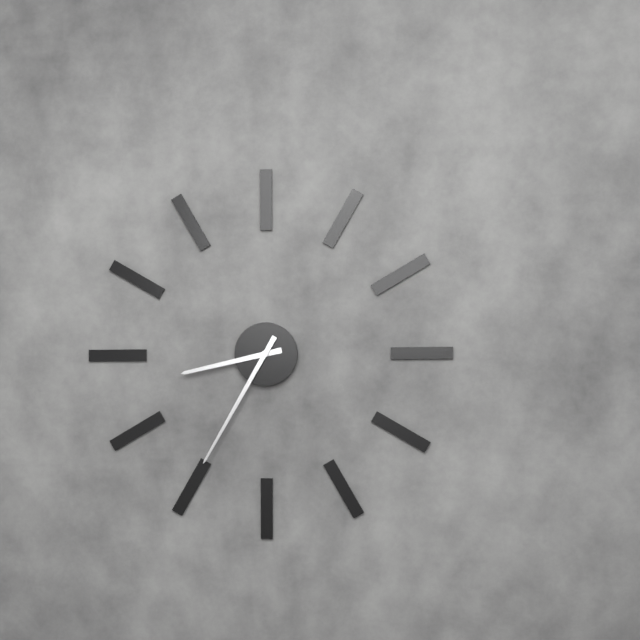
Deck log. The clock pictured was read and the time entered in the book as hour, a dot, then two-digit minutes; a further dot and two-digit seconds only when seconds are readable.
8.35
